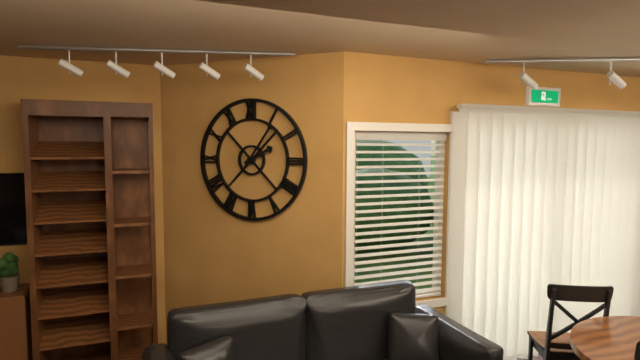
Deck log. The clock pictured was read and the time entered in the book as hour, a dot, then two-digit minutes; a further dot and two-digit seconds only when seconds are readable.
2.06
